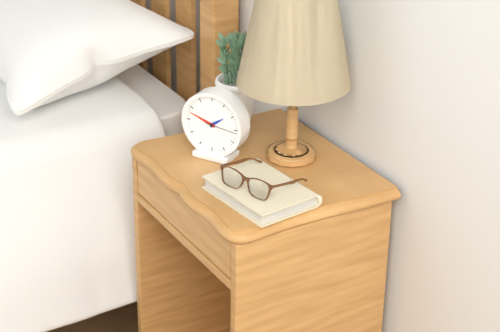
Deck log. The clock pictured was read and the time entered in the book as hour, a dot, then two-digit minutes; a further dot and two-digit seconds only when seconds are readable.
1.48
